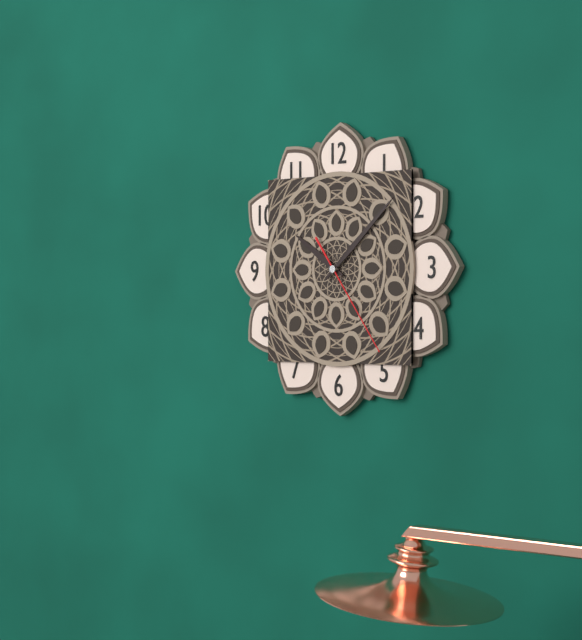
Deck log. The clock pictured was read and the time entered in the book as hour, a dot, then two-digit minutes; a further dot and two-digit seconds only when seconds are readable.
10.08.24
